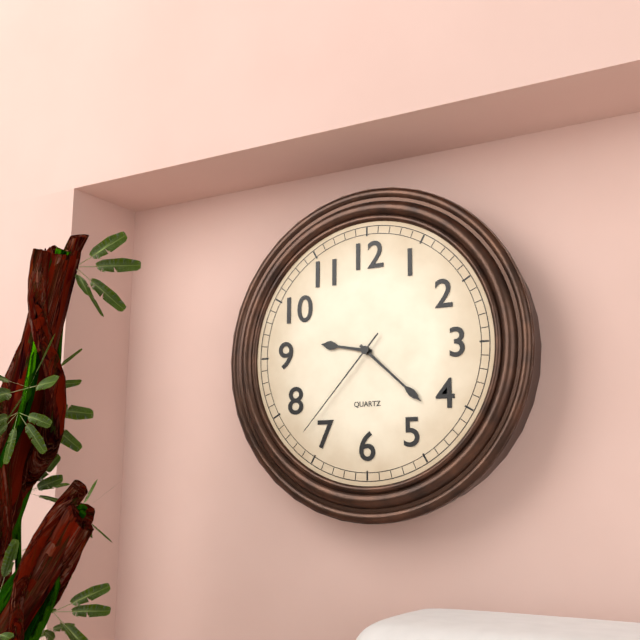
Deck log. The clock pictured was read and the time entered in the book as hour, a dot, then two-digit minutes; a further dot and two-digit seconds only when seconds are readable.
9.22.37
